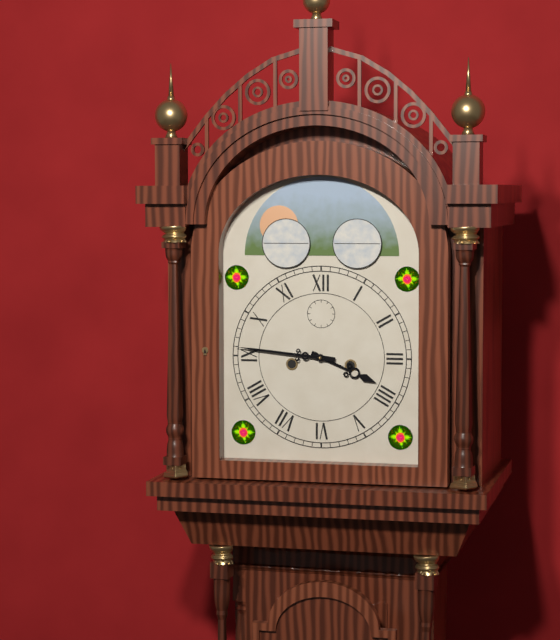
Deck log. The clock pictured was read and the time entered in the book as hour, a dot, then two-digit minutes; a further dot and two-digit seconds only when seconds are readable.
3.46
